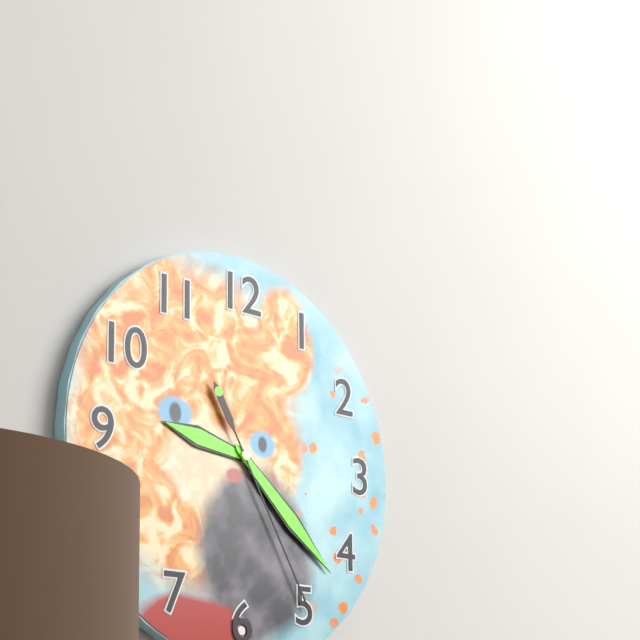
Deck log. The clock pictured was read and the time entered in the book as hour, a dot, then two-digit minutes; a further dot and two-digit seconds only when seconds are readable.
9.22.25
